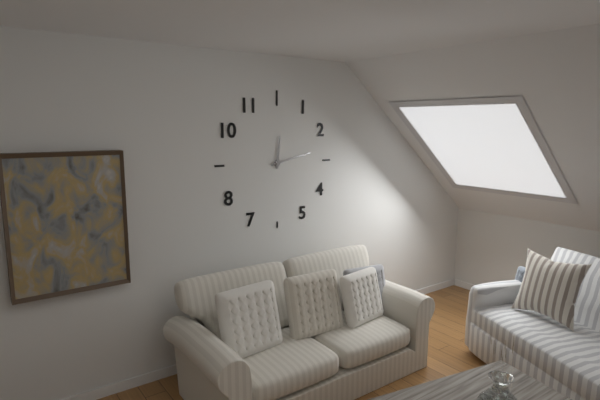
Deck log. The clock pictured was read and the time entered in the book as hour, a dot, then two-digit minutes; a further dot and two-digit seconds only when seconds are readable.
12.13
